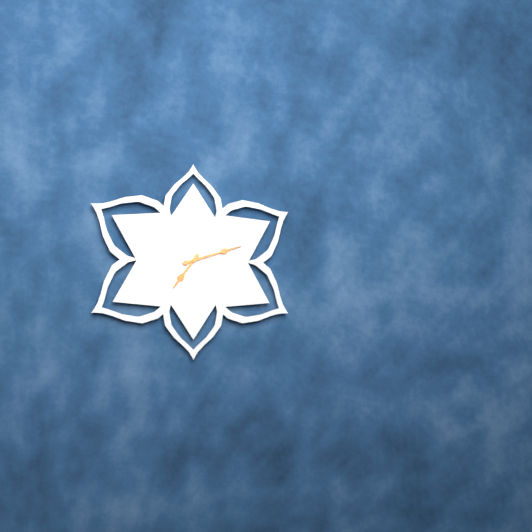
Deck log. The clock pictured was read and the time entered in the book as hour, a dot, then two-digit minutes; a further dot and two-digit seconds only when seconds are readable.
7.12
